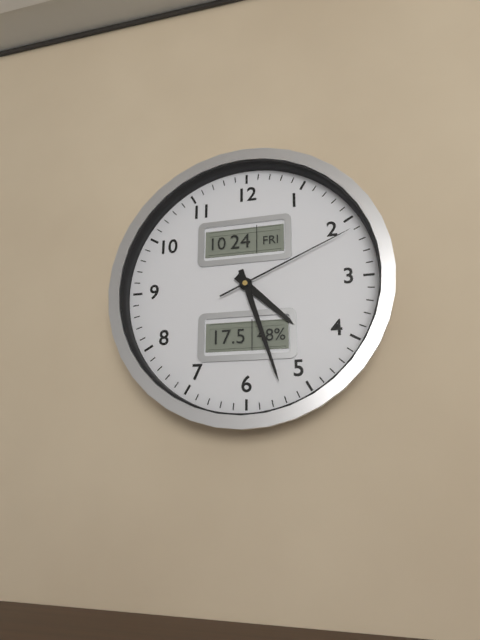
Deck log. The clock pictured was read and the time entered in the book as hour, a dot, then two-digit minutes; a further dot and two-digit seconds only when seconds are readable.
4.27.11
